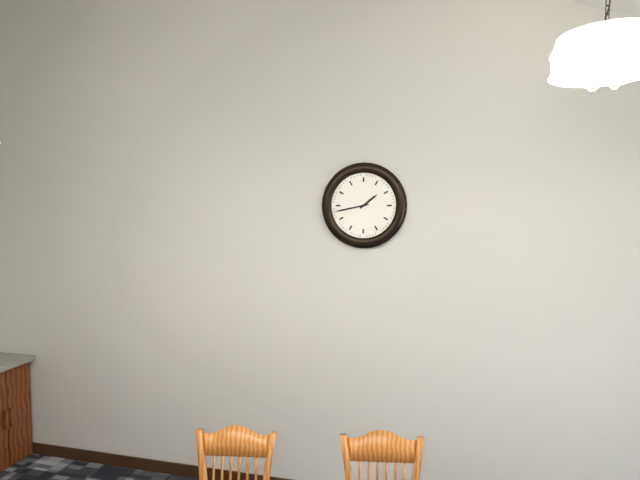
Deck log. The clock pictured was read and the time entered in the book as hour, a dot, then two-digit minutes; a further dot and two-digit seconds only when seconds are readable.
1.43
